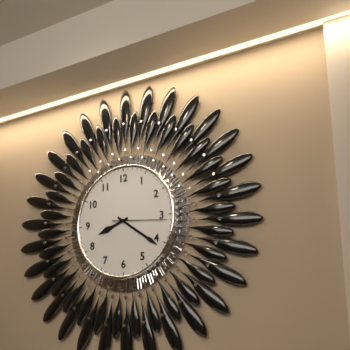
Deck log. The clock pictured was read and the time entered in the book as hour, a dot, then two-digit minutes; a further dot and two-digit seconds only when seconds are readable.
8.21
